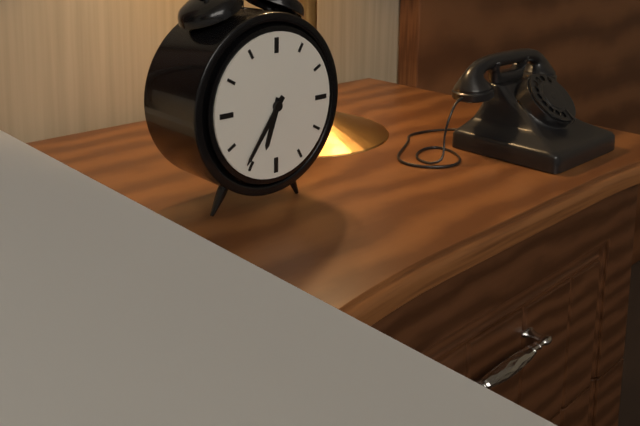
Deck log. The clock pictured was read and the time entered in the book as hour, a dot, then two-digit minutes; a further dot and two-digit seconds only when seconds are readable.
6.36
